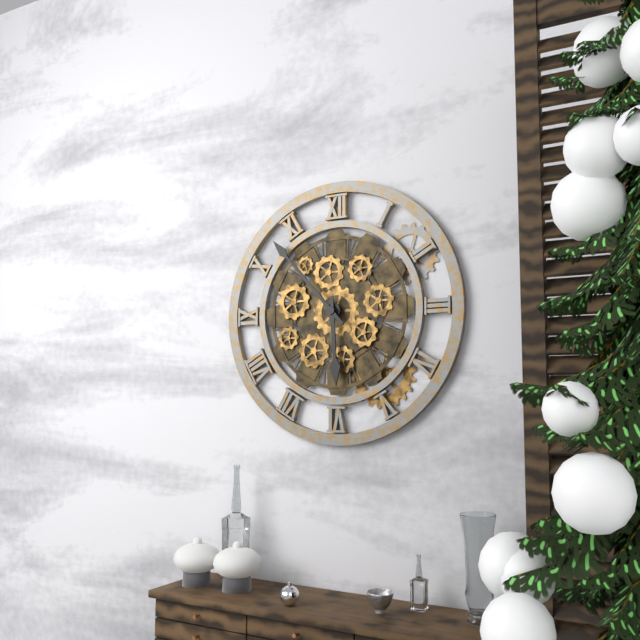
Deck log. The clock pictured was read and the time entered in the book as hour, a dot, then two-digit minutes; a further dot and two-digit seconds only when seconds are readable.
5.53
